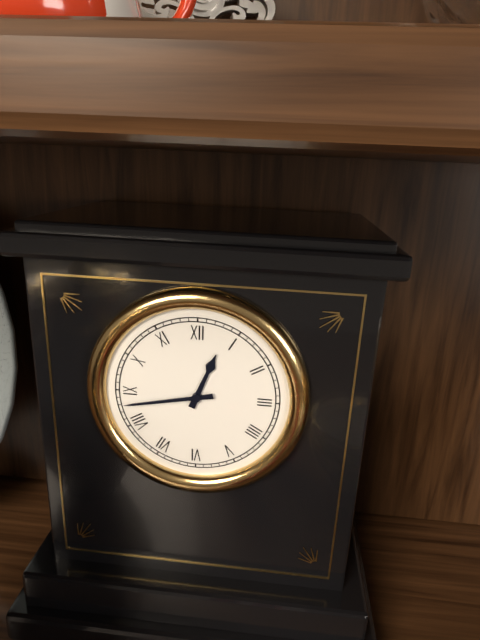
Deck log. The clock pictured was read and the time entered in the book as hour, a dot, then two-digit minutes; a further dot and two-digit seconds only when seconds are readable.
12.43
